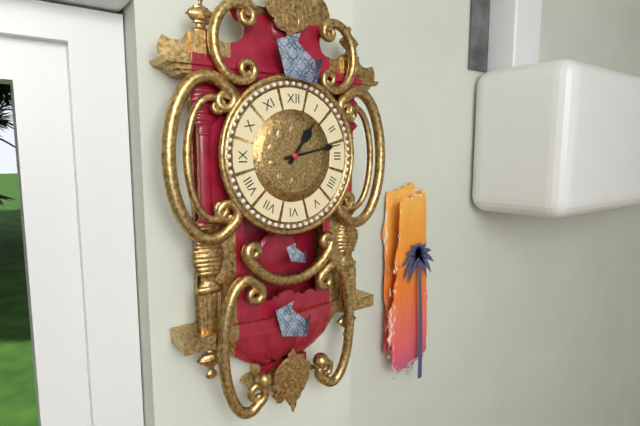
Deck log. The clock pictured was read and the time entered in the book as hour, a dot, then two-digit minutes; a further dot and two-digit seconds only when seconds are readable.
1.13
